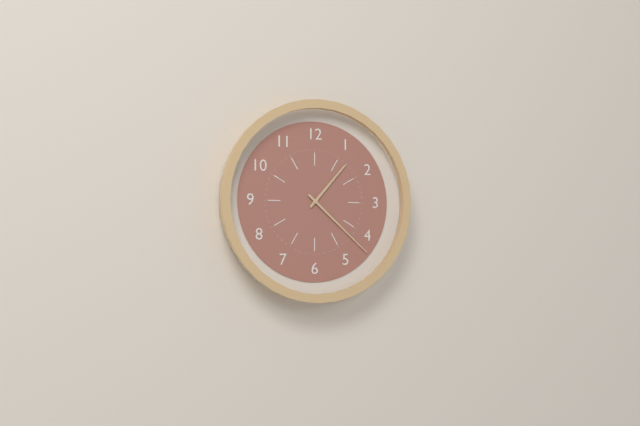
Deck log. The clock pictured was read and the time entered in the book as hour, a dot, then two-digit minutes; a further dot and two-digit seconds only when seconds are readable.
1.22
